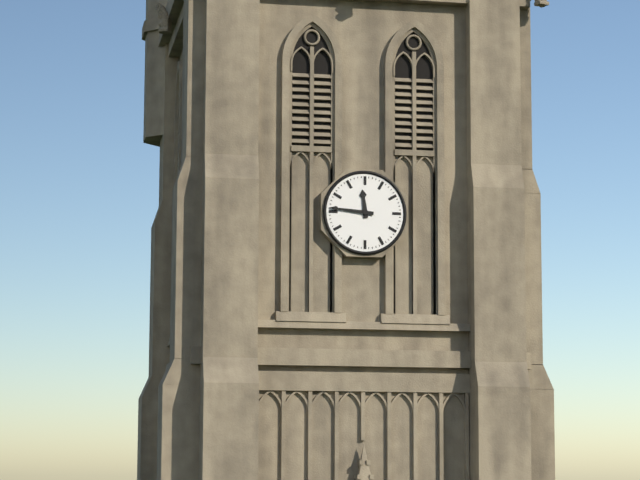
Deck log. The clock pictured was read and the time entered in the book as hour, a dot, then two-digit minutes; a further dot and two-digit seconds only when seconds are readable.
11.46
